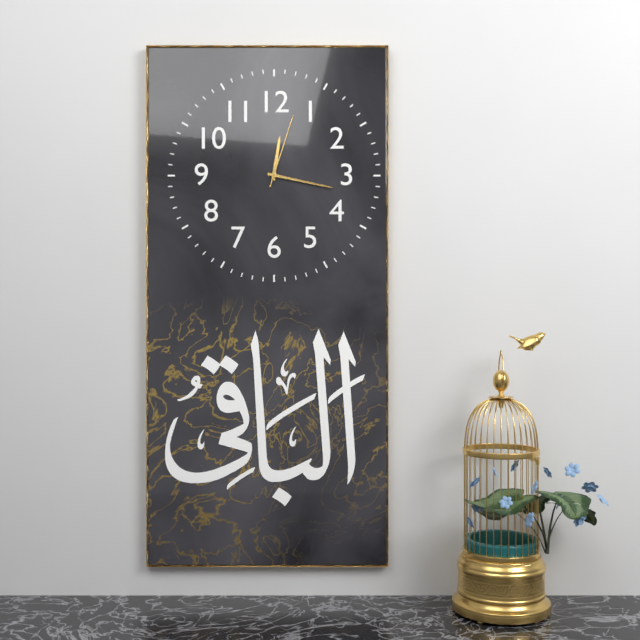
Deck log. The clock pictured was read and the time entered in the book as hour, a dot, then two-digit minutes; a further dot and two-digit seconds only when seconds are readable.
12.17.03
